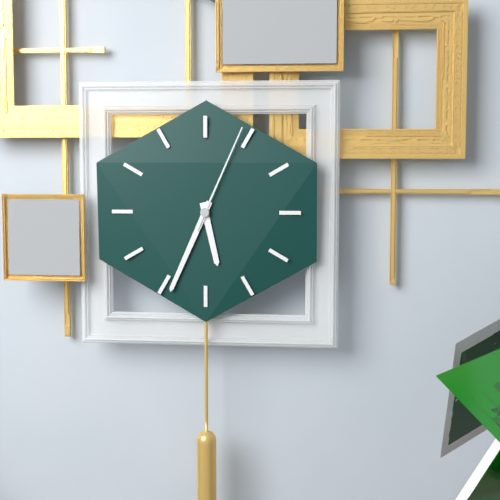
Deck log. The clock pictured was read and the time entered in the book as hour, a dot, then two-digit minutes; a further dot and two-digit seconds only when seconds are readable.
5.34.04
